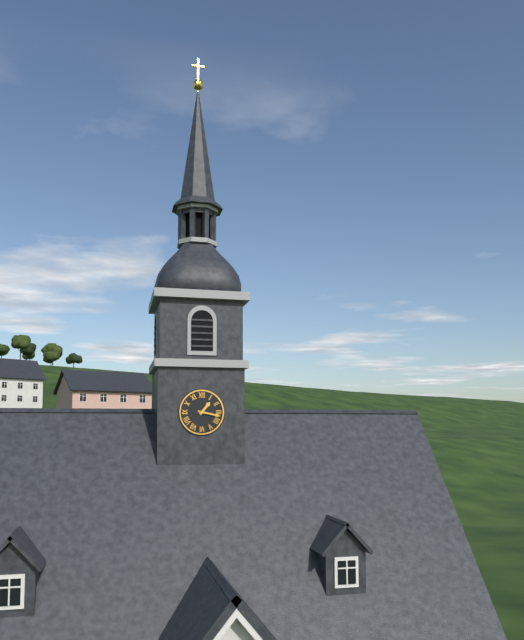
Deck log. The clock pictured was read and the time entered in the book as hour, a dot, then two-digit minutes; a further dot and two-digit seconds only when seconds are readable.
1.17
